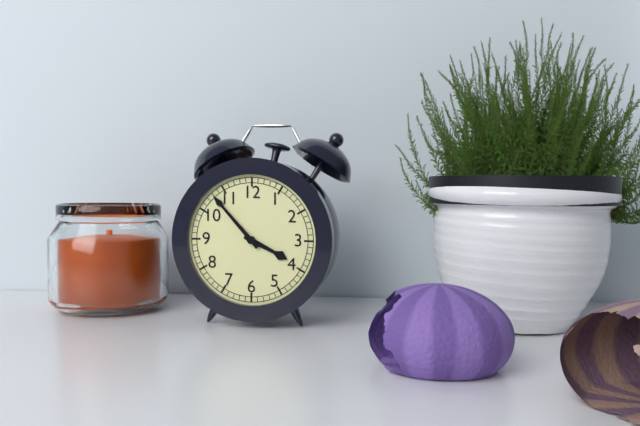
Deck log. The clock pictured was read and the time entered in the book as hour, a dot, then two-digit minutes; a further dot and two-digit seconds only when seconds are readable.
3.53
